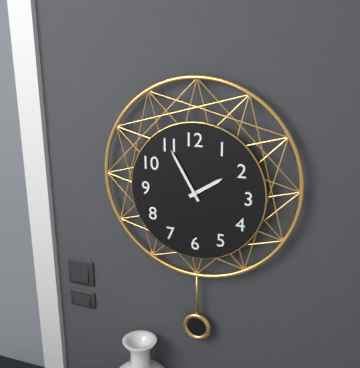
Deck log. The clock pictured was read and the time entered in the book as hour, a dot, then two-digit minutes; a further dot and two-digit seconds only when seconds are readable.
1.55
